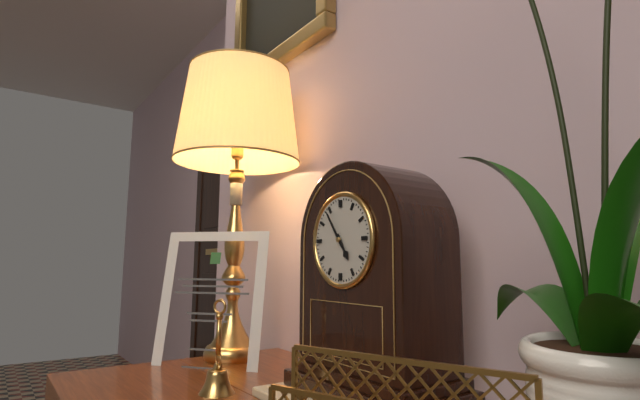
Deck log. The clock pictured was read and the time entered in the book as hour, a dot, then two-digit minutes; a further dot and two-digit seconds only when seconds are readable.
4.54
